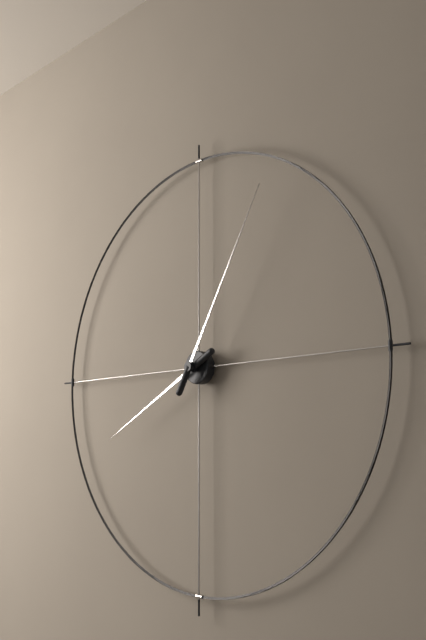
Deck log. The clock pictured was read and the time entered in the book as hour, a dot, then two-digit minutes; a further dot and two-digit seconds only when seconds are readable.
8.05
